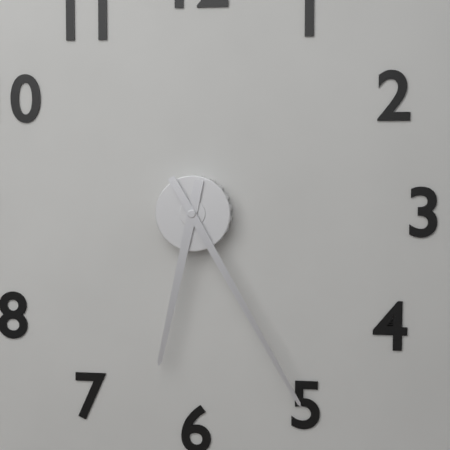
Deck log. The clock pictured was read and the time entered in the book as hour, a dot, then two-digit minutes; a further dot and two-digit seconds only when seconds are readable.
6.25
